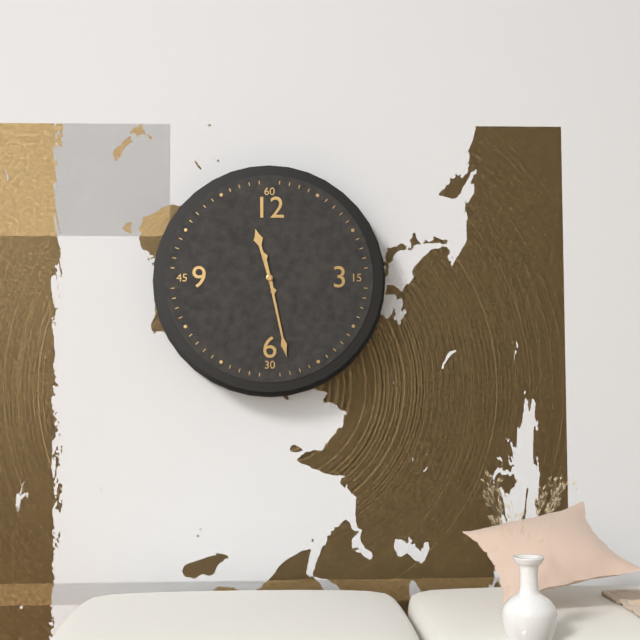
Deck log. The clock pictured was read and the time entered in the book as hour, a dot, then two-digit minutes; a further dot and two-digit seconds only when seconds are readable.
11.28
